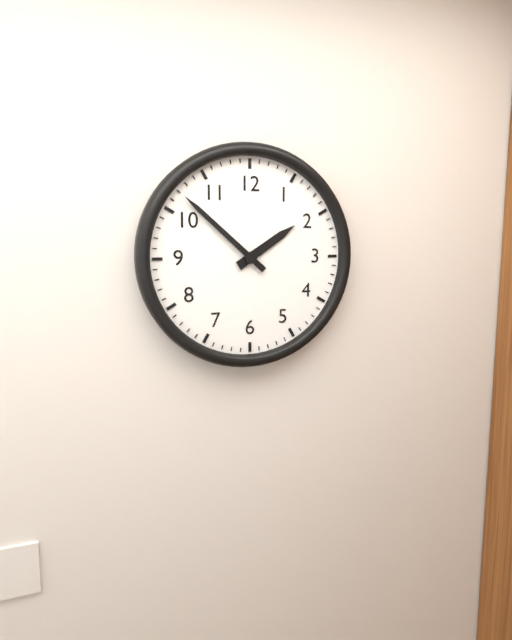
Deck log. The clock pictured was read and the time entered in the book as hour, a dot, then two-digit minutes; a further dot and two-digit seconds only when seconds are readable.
1.52
